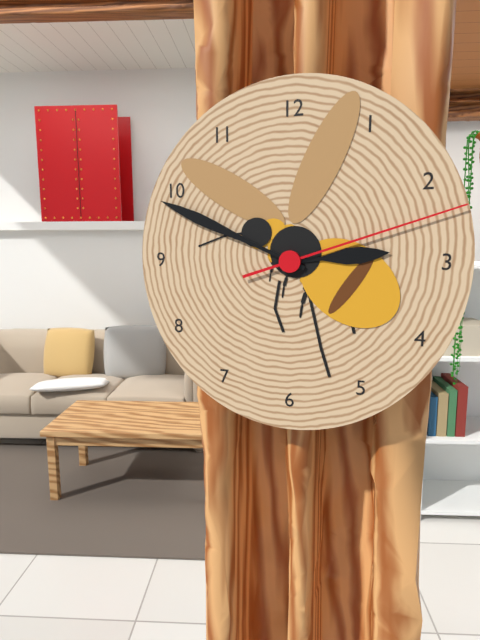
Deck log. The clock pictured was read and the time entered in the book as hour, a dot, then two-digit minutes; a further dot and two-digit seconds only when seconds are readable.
2.49.12
